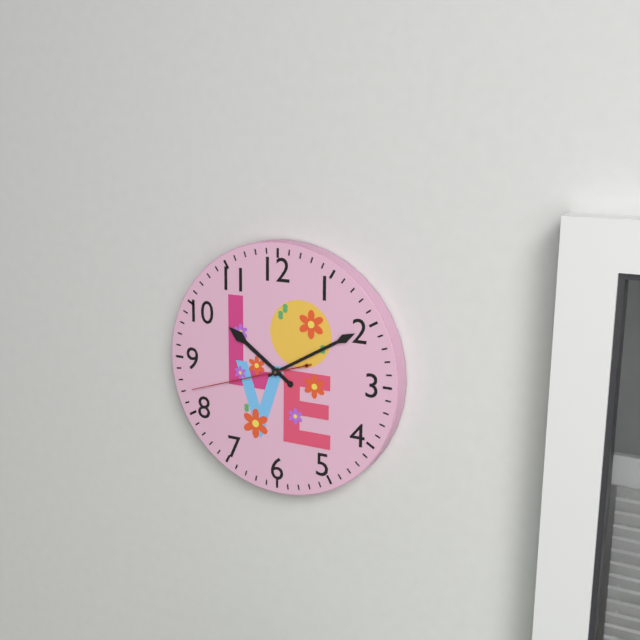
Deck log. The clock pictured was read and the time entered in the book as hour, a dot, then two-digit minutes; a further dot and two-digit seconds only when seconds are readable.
10.10.42
